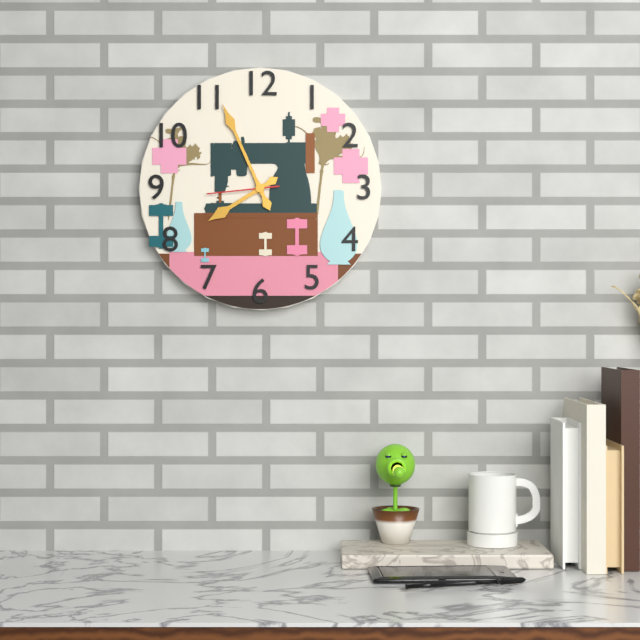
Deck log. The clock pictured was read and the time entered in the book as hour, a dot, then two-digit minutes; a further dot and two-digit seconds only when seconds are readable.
7.56.44
